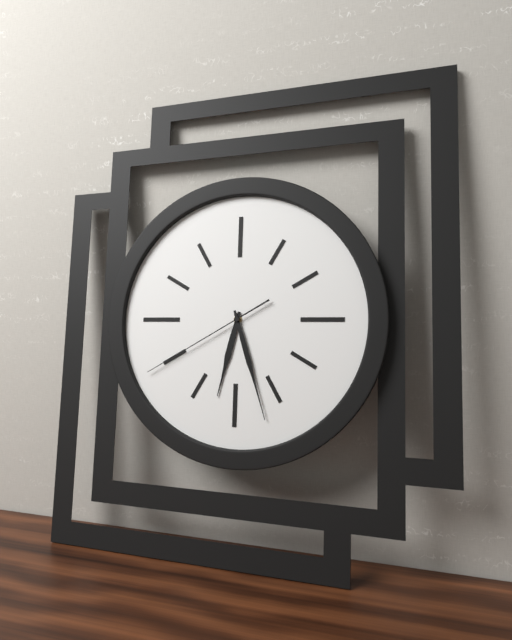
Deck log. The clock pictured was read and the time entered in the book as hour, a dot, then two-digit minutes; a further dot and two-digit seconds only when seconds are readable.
6.27.40
